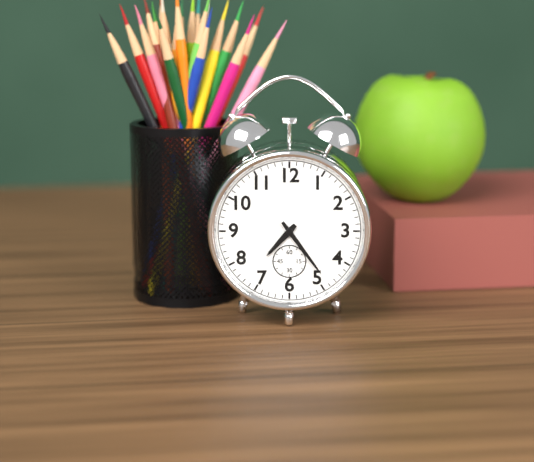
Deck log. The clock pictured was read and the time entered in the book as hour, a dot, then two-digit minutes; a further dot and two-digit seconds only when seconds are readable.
7.24
